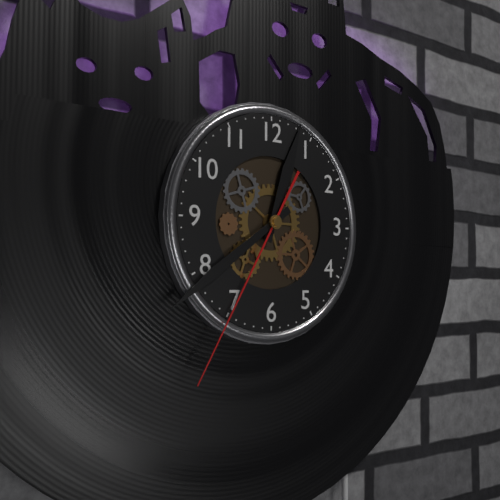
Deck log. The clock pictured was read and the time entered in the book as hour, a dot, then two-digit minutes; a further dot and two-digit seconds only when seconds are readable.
12.39.35
